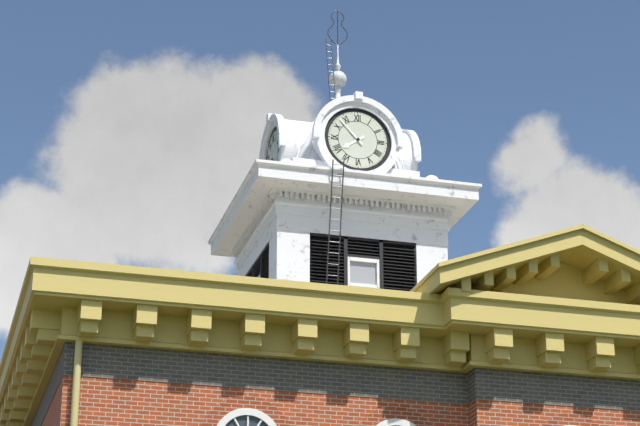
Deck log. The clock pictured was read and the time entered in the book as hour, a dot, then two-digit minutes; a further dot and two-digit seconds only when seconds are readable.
7.53
